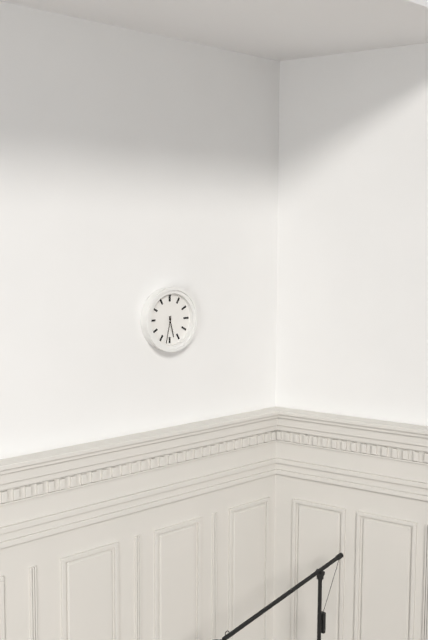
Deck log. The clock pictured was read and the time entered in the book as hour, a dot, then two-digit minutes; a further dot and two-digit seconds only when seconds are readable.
5.32
